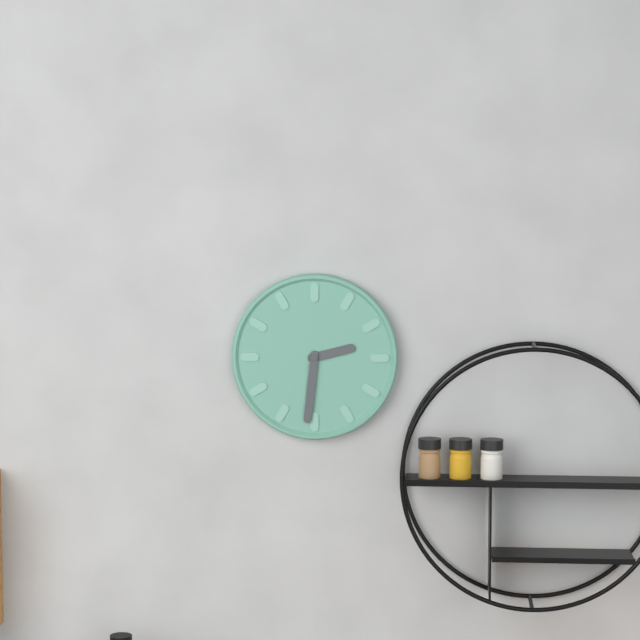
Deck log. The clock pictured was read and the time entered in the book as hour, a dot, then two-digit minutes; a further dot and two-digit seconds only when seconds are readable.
2.31
